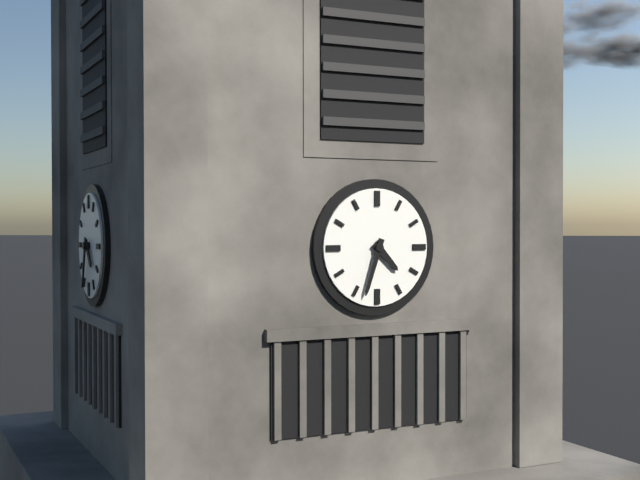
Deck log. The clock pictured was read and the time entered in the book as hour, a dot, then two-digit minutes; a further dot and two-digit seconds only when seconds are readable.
4.33
